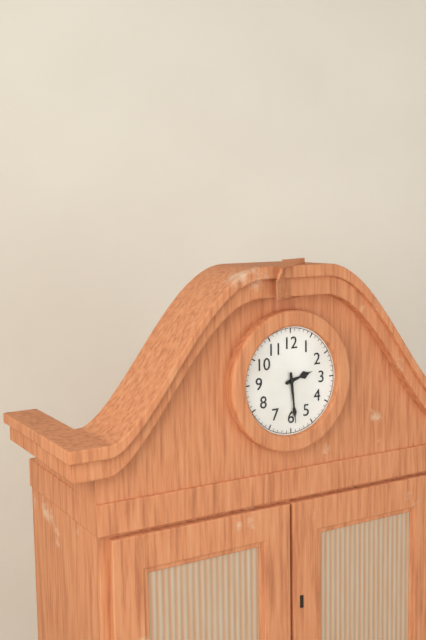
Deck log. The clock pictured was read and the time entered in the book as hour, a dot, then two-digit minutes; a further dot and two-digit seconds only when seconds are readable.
2.29
